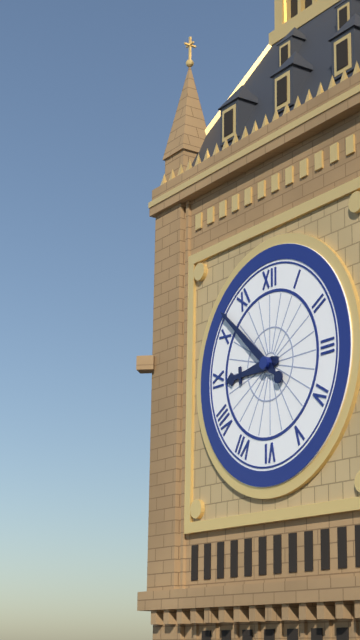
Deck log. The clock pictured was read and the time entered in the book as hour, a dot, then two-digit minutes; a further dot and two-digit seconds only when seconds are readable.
8.52
